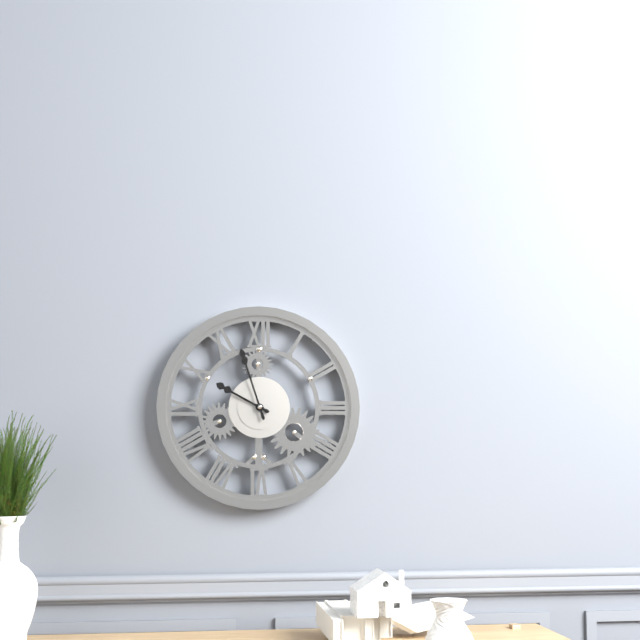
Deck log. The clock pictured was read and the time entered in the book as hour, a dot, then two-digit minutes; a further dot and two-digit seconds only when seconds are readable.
9.57
